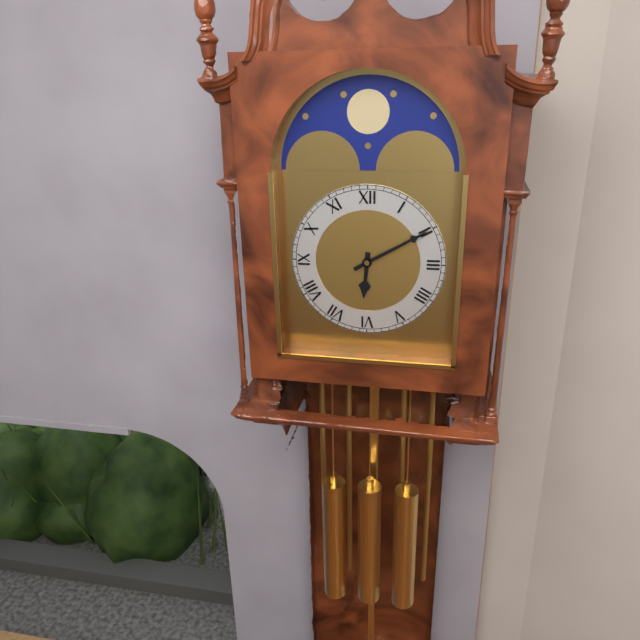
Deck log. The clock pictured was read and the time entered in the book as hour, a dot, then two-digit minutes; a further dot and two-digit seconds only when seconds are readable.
6.10
